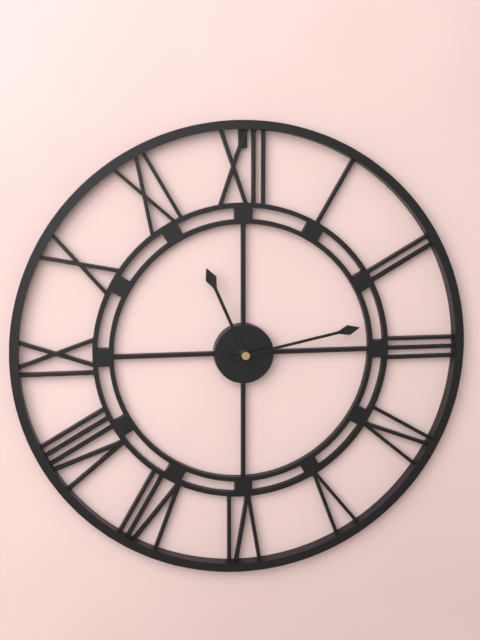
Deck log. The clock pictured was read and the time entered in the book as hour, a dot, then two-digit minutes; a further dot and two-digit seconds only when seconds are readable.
11.13
